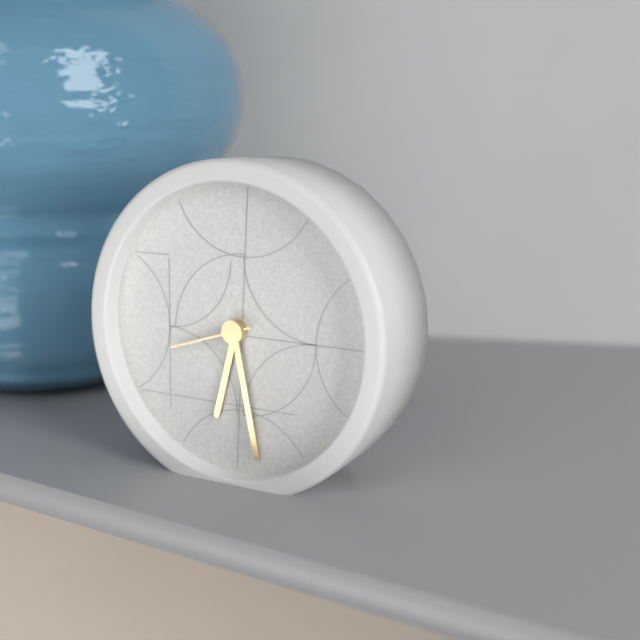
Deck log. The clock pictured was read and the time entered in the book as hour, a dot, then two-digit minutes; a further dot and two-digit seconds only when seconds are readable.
6.28.42
